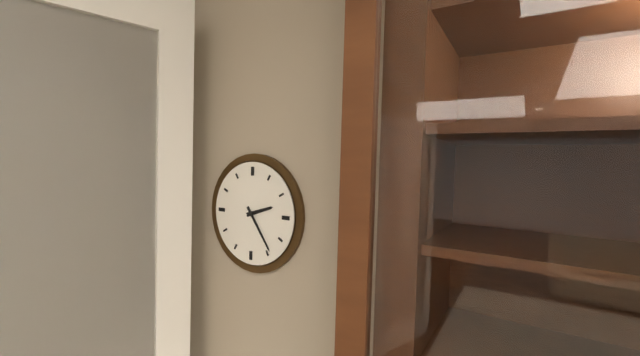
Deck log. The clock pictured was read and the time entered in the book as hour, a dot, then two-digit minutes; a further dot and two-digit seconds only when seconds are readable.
2.24
